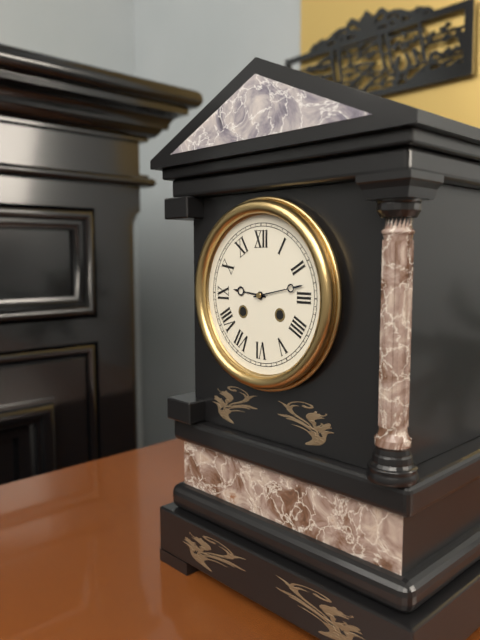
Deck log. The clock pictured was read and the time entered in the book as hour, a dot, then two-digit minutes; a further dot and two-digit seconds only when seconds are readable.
9.13
